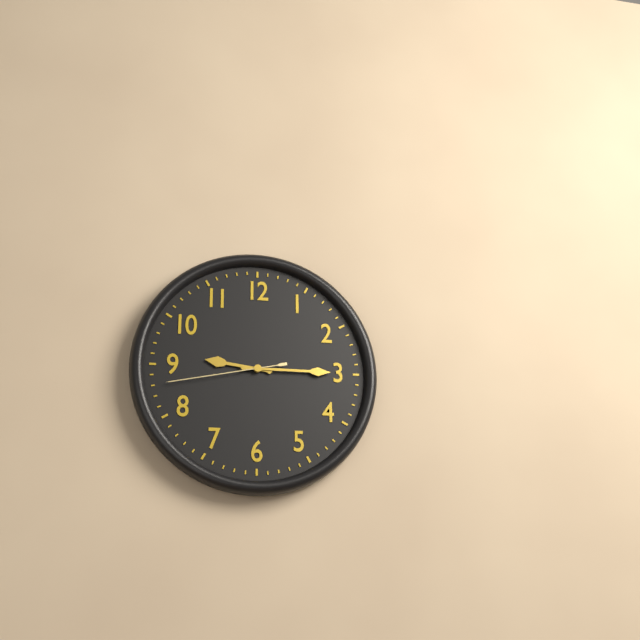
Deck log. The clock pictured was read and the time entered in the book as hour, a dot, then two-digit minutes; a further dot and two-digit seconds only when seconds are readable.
9.15.43
